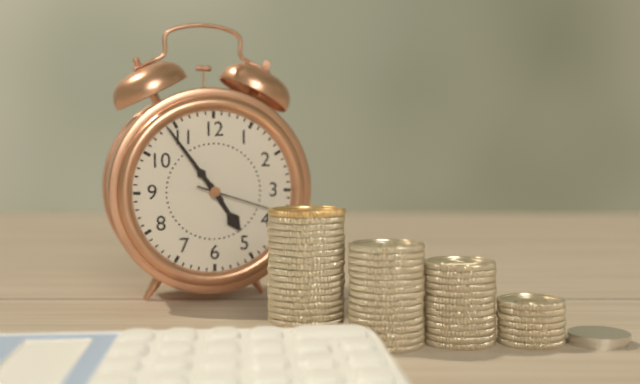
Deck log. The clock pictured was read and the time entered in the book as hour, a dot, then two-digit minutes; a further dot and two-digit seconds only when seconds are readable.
4.54.18
